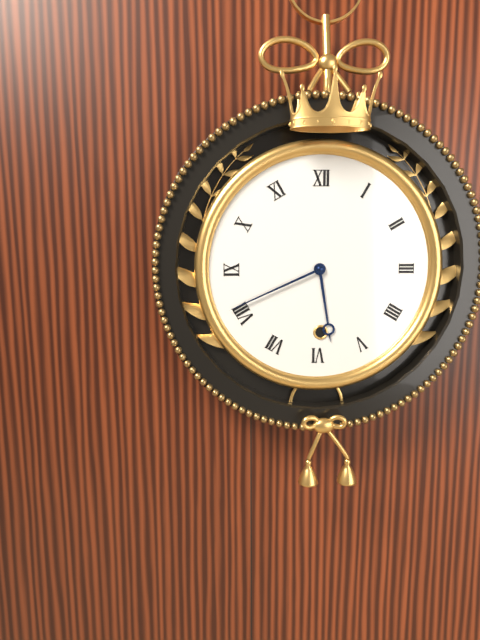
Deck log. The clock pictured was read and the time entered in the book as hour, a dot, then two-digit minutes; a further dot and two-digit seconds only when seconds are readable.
5.41
